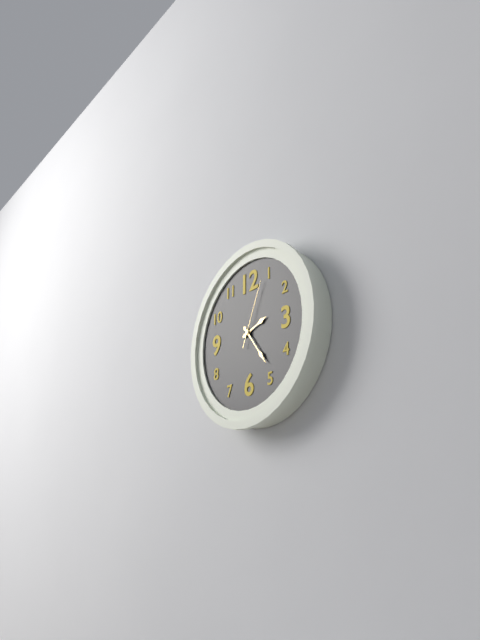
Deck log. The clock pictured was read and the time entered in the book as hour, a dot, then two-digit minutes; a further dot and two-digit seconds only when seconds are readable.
2.24.04
